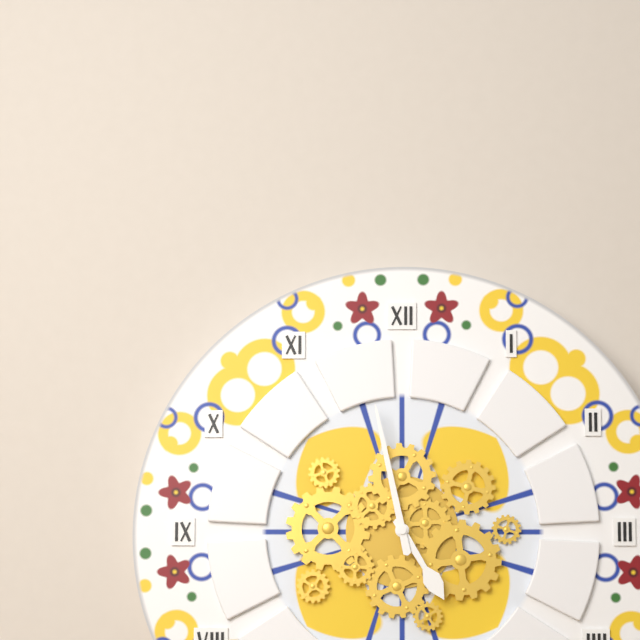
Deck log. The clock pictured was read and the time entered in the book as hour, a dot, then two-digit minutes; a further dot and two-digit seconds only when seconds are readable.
4.58
